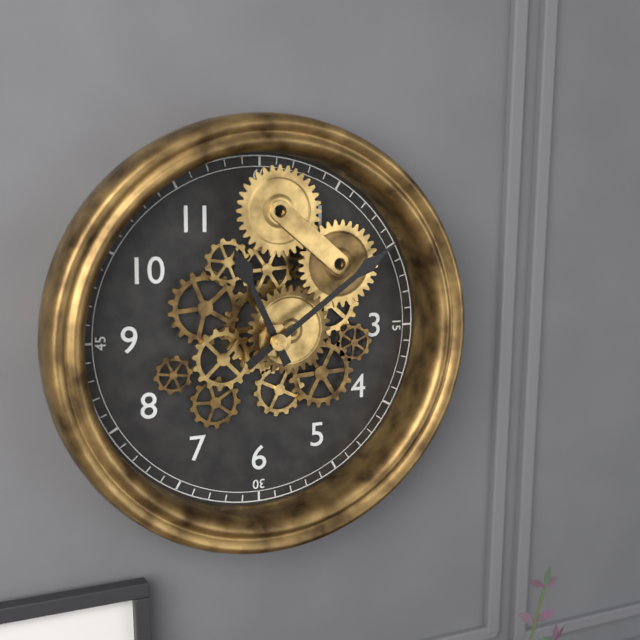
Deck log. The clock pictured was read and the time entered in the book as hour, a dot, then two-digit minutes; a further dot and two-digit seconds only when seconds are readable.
11.09
